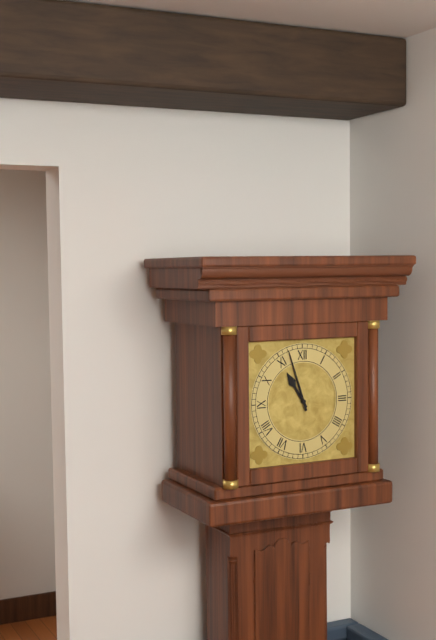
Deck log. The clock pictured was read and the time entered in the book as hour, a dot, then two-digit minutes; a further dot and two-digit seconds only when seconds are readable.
10.57
